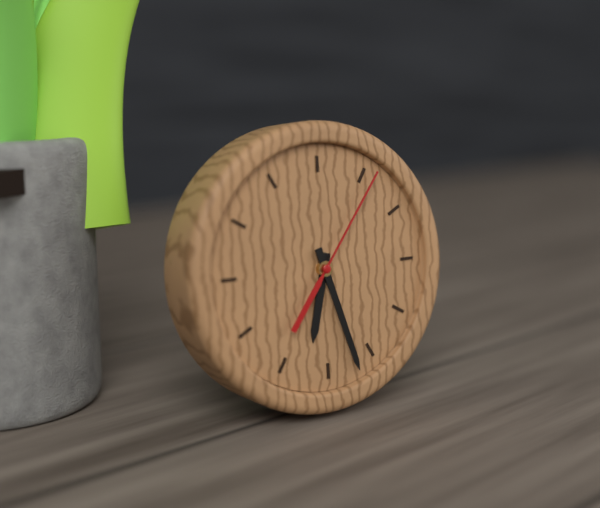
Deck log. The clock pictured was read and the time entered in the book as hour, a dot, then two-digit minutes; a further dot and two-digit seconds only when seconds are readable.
6.27.06
